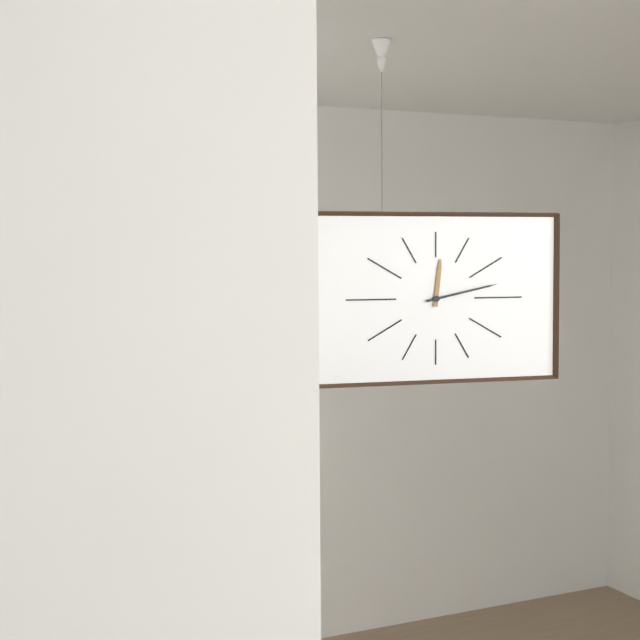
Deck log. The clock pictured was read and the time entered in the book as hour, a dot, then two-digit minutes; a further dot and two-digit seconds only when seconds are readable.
12.13
